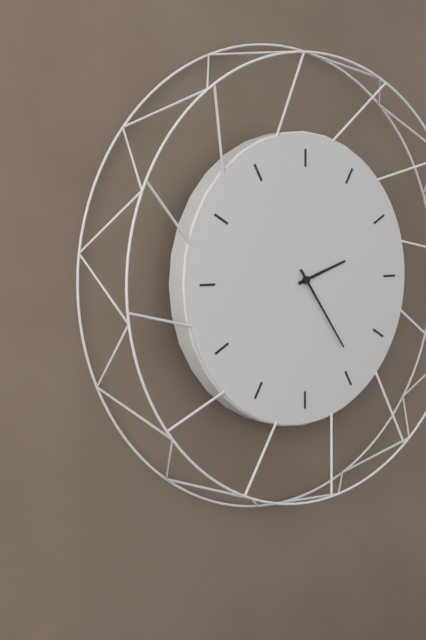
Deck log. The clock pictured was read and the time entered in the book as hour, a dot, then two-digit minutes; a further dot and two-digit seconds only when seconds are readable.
2.24
